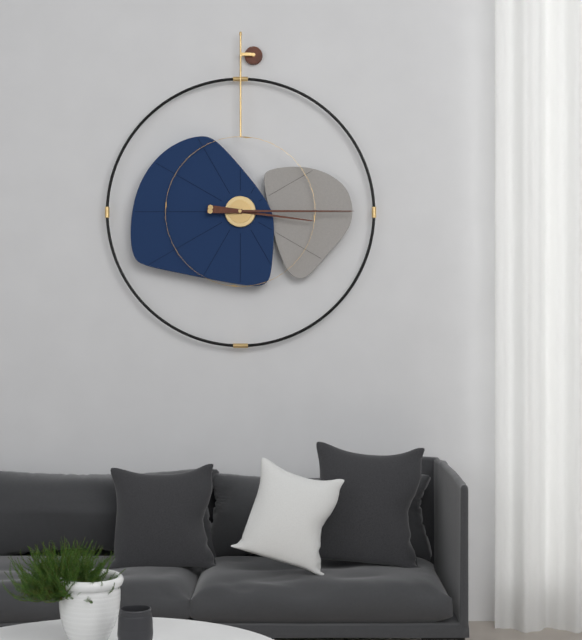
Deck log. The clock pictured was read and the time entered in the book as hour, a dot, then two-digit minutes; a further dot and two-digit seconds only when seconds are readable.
3.15
